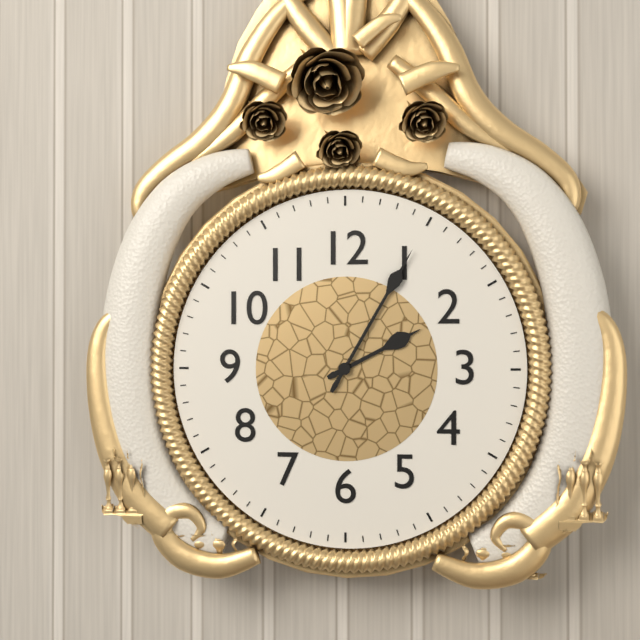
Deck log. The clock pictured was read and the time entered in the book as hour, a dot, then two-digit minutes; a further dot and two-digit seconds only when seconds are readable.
2.05
